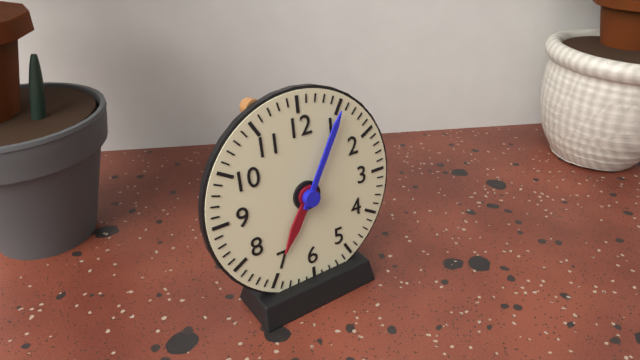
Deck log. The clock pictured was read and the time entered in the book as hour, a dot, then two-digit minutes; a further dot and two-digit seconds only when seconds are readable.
7.05
